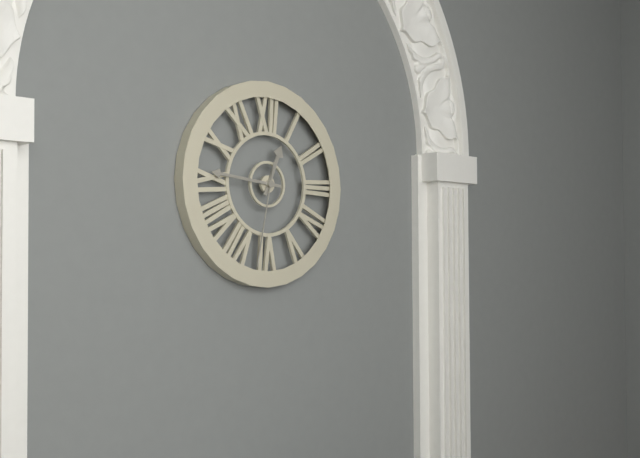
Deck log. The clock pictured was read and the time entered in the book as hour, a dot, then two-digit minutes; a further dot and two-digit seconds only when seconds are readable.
12.46.32
